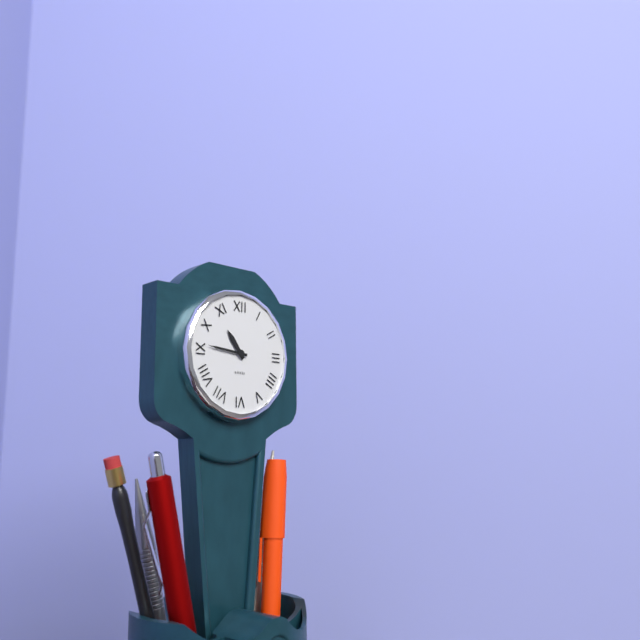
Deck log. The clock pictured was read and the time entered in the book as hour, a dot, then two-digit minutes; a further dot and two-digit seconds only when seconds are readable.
10.46
